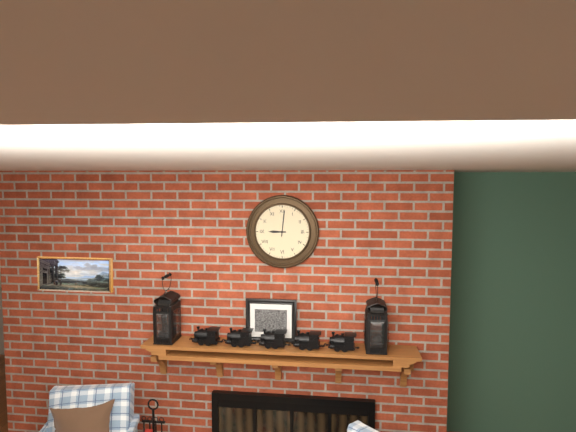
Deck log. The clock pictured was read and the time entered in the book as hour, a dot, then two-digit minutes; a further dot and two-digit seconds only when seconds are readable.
9.01
